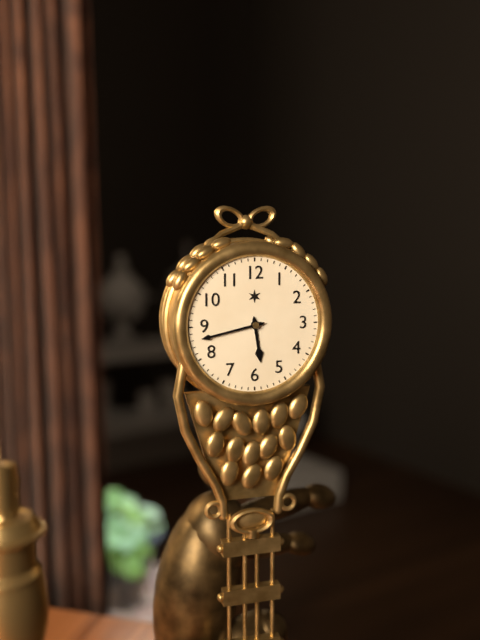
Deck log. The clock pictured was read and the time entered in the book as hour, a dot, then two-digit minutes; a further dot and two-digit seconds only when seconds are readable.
5.43
